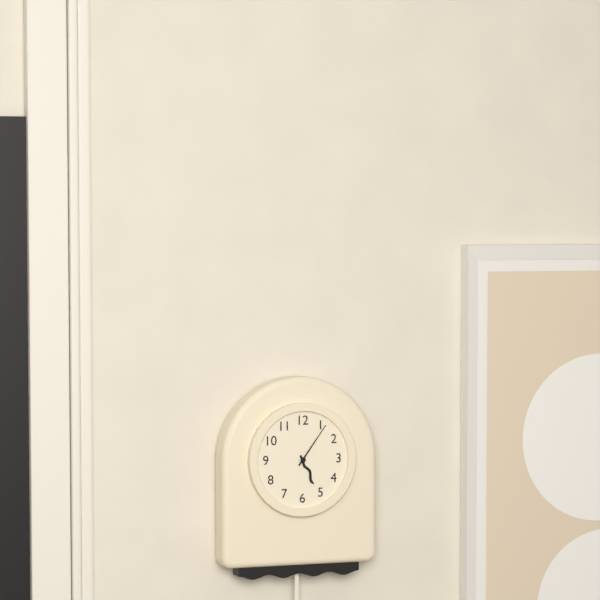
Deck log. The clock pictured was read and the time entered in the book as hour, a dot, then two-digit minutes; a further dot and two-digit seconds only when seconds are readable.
5.06
